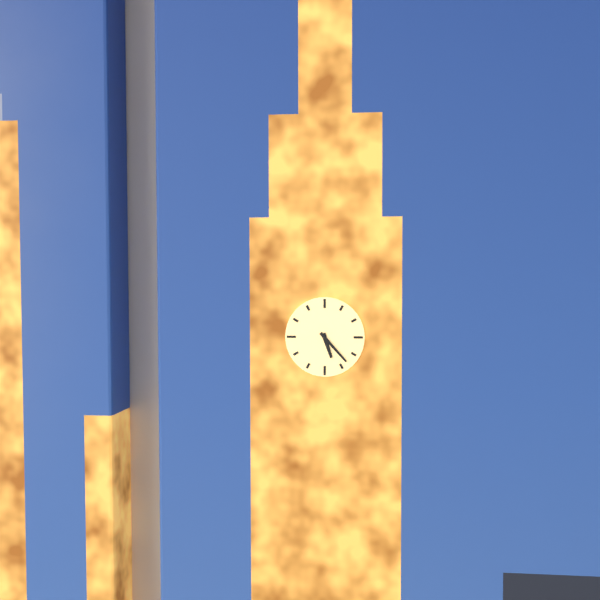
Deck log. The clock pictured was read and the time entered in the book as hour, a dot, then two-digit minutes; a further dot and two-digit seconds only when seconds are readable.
5.23
